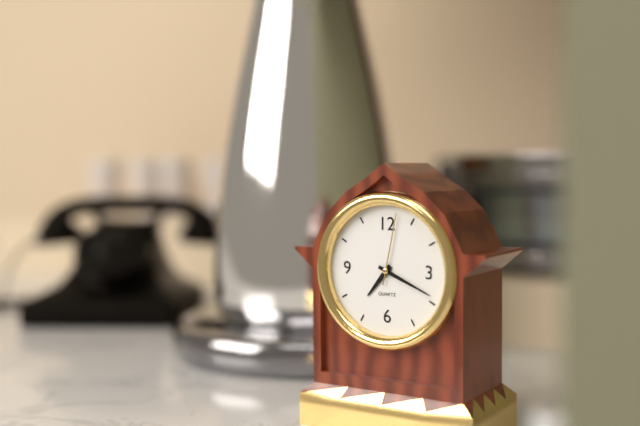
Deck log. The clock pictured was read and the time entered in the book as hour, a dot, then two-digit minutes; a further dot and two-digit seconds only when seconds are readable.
7.19.02
